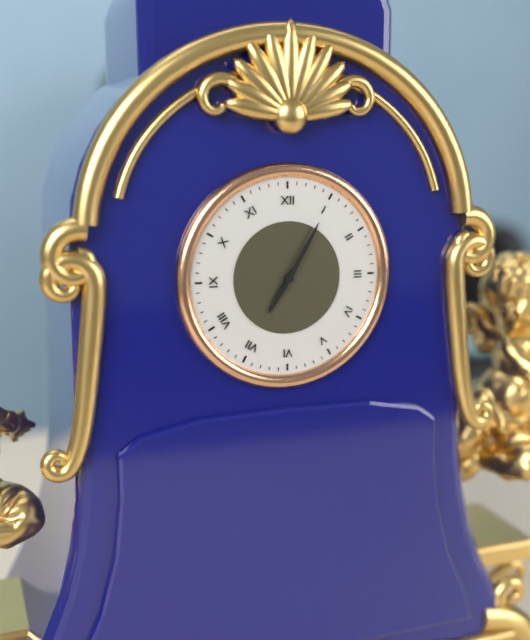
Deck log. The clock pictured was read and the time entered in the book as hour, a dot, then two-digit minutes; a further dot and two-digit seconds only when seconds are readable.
7.05
